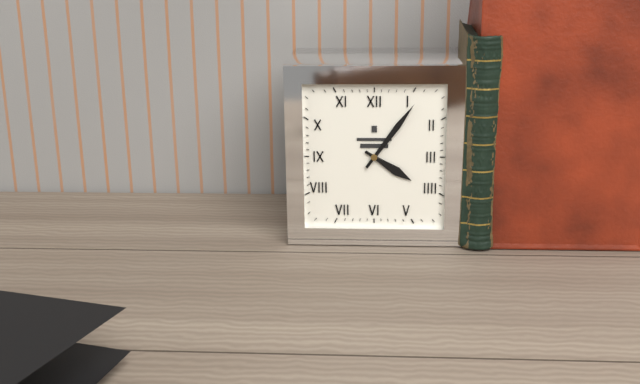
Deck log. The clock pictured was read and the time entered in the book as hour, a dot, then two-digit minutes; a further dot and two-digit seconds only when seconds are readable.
4.06
